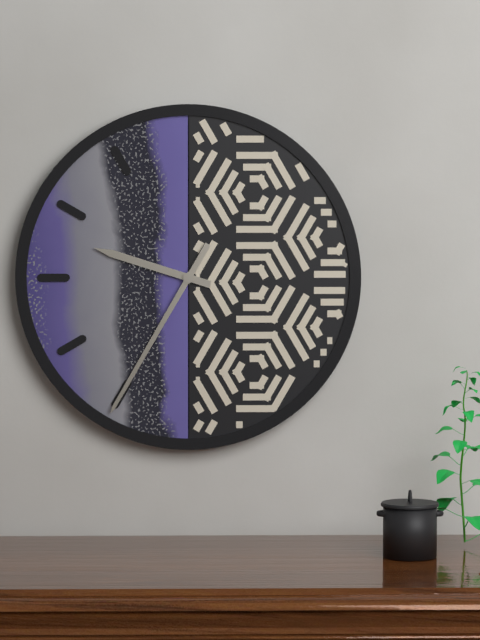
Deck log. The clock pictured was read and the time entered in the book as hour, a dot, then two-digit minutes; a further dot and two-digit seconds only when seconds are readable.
9.35
